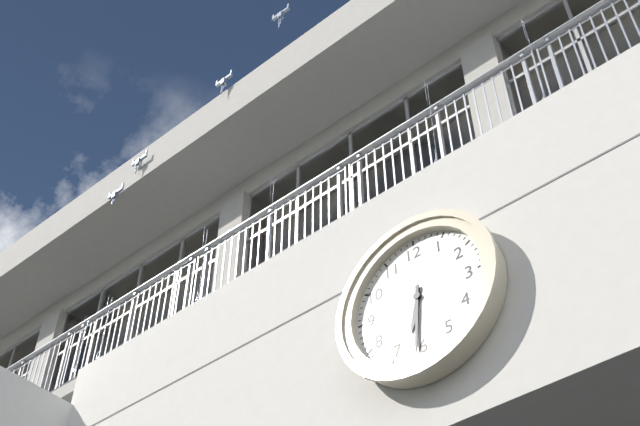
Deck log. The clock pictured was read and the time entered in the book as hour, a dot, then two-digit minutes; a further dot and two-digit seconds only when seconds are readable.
6.31
